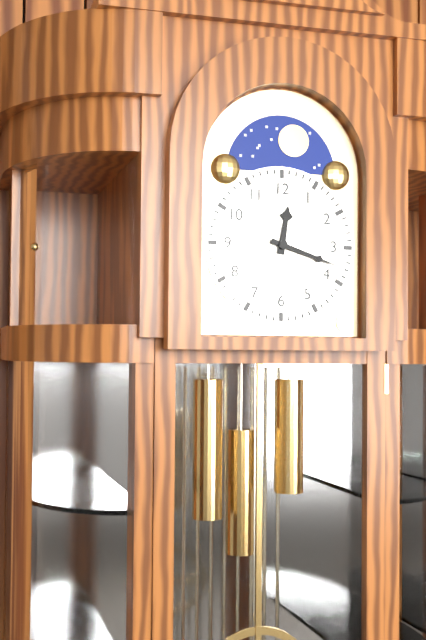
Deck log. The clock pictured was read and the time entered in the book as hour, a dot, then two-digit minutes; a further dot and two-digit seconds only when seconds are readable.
12.18
